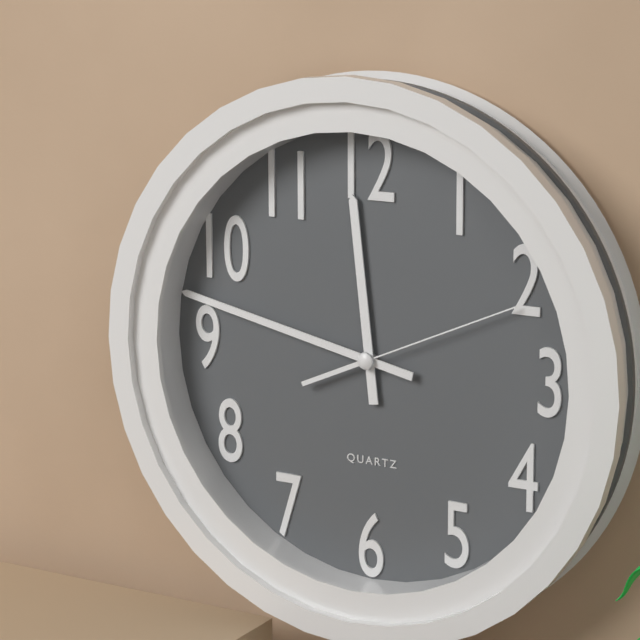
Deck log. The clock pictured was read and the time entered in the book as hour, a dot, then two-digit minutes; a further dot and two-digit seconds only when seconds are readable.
11.47.11
